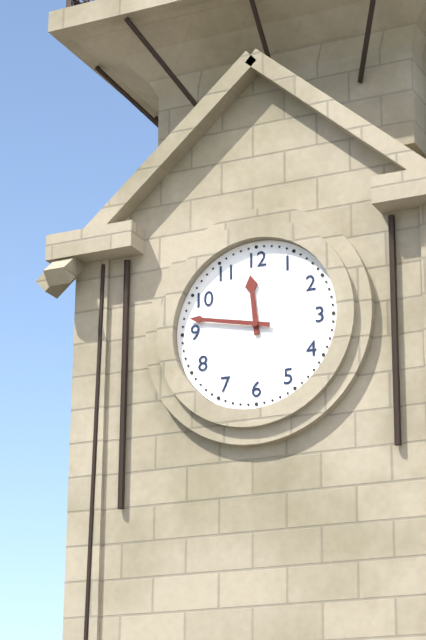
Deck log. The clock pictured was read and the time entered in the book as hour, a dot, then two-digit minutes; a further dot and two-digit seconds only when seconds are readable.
11.47
